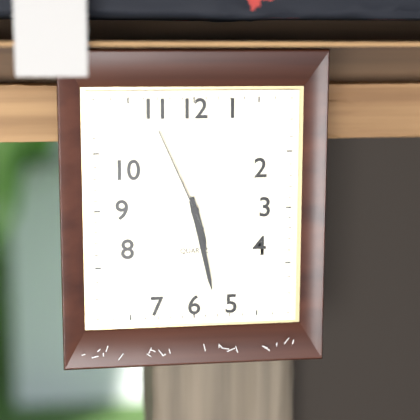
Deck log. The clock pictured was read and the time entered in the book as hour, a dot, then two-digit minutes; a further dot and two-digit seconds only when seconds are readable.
5.28.56
